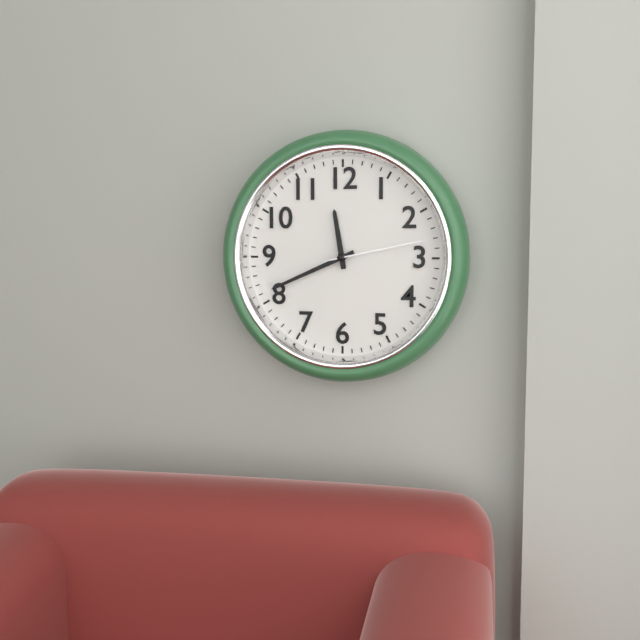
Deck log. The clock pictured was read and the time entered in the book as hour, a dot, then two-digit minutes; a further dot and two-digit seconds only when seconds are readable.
11.41.13
